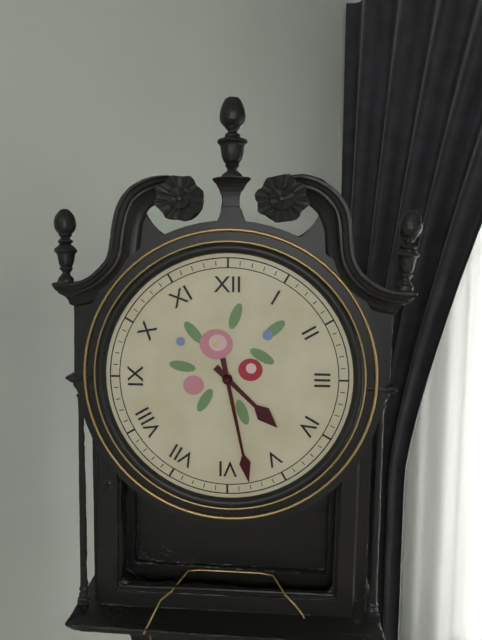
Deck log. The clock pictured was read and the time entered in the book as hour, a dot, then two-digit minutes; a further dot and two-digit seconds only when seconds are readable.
4.28
